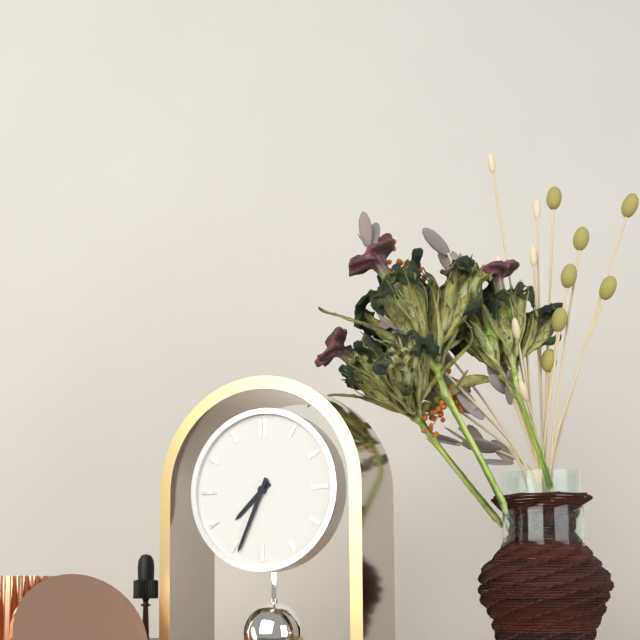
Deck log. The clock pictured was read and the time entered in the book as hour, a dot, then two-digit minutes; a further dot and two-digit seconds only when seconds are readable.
7.34
